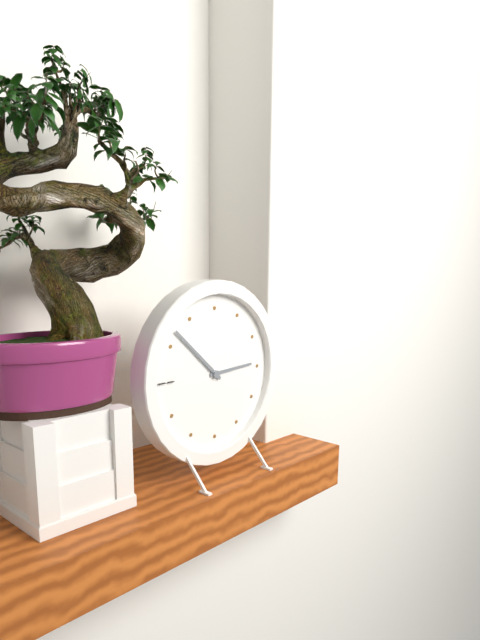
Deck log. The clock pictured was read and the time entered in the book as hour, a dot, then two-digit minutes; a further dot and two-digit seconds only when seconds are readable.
2.52
